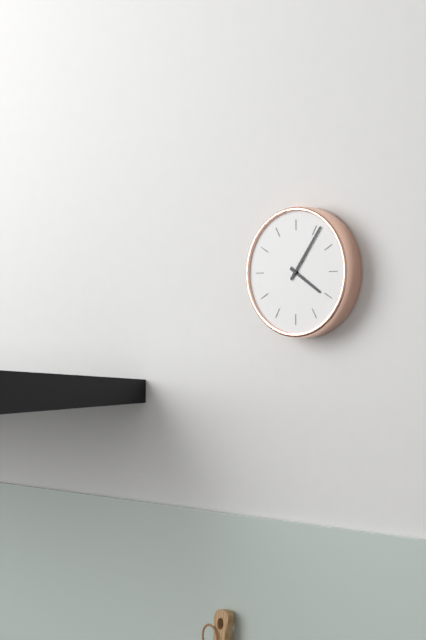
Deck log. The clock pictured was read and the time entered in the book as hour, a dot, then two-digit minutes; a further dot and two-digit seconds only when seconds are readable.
4.06
